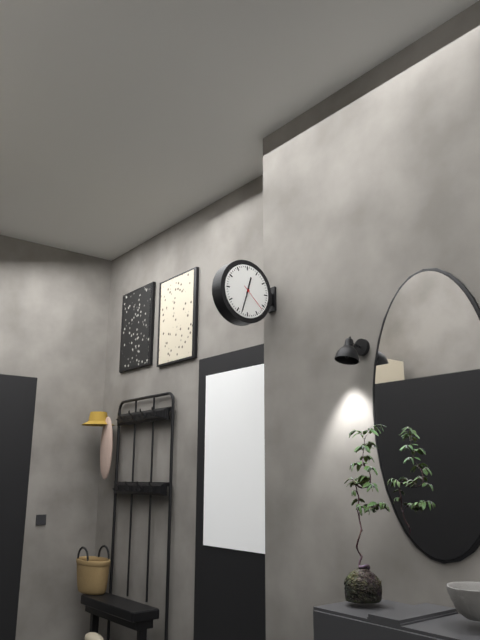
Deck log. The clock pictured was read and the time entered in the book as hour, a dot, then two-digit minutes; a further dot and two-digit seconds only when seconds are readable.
12.33
